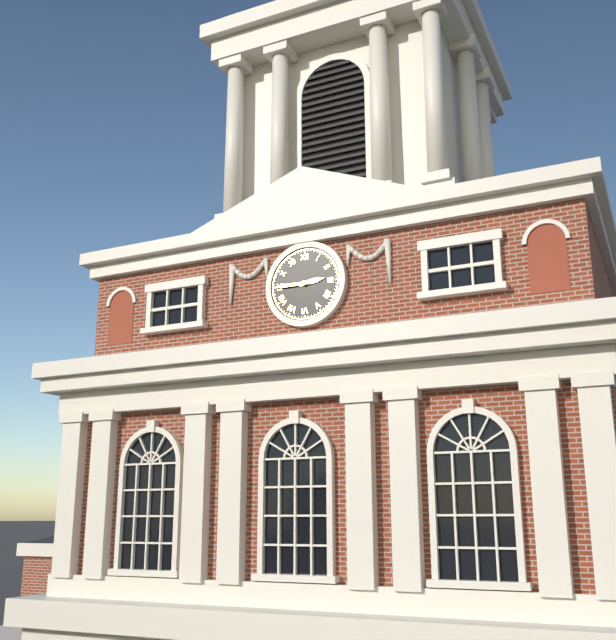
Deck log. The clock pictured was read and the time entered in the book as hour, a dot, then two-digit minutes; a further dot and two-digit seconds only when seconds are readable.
2.45
